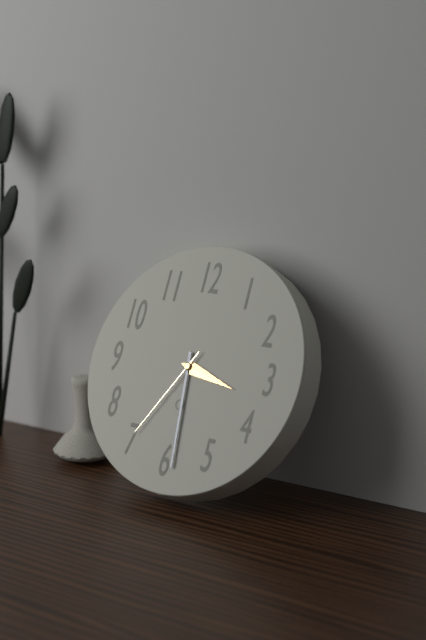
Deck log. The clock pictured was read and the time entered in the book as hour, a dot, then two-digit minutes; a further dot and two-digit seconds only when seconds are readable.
3.29.35
